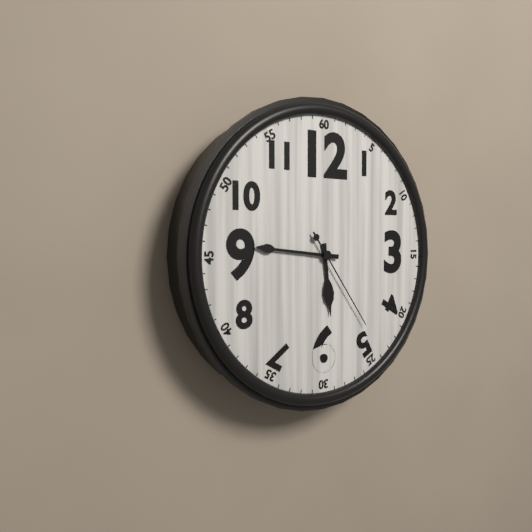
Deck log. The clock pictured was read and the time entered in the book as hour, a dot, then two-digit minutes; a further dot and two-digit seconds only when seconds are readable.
5.46.24
